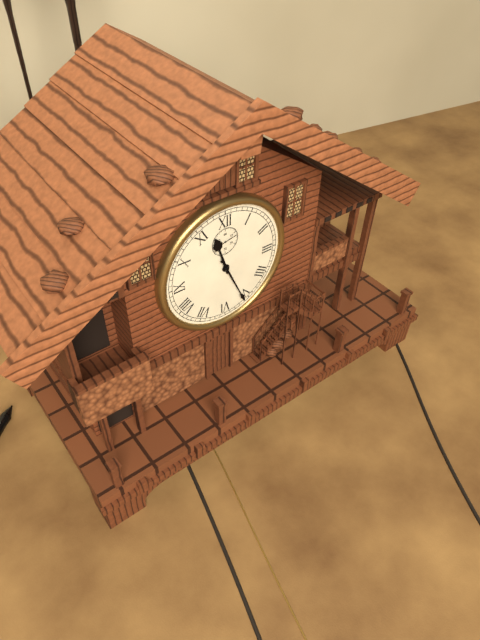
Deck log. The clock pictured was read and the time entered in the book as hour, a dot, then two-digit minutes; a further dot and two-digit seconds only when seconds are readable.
11.26
